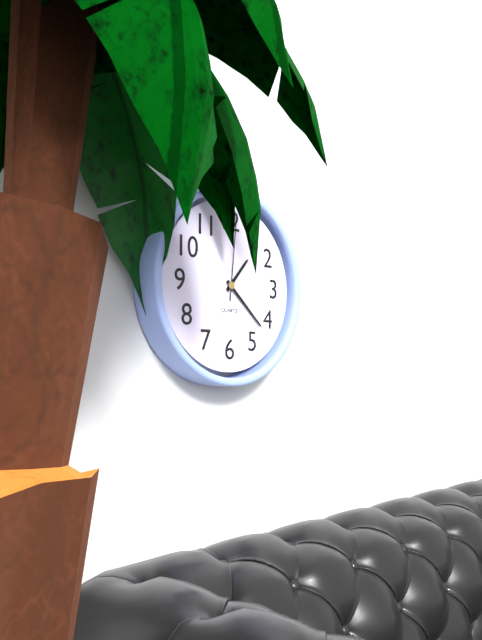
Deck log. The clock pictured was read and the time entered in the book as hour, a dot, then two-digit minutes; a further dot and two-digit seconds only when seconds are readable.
1.22.01
